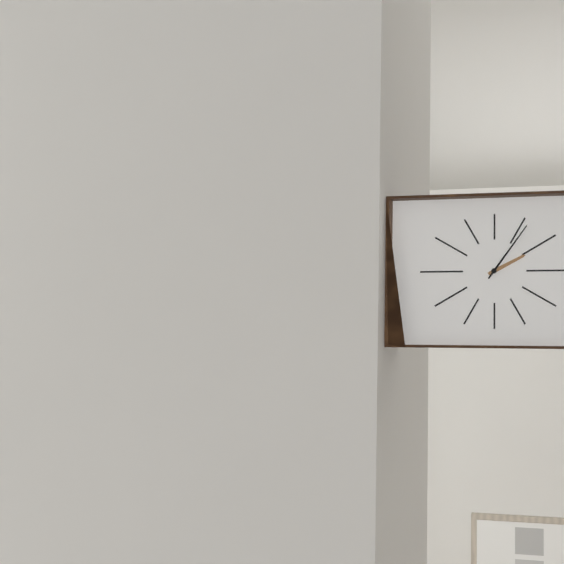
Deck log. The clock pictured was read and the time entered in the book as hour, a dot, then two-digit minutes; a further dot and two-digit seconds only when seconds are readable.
2.06
